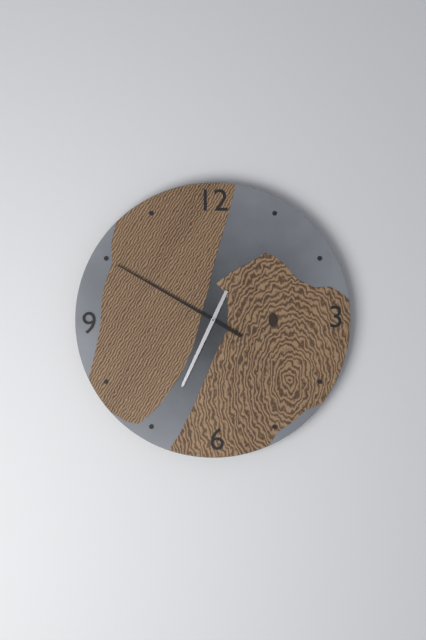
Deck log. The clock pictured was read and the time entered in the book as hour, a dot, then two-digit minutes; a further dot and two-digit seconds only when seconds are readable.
6.50
